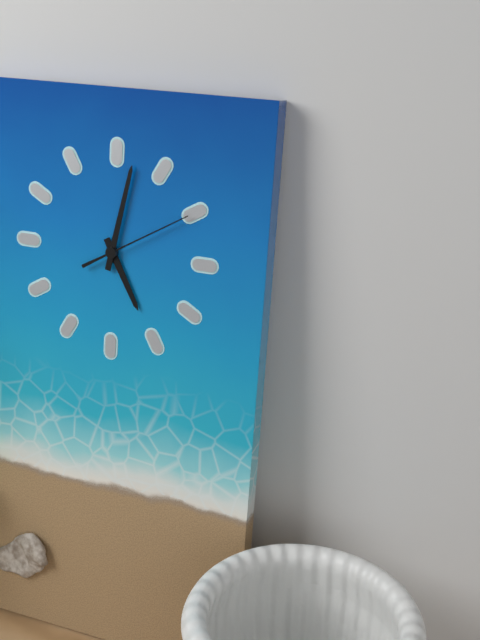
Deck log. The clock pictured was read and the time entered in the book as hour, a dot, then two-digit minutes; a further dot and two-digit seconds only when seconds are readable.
5.02.10
